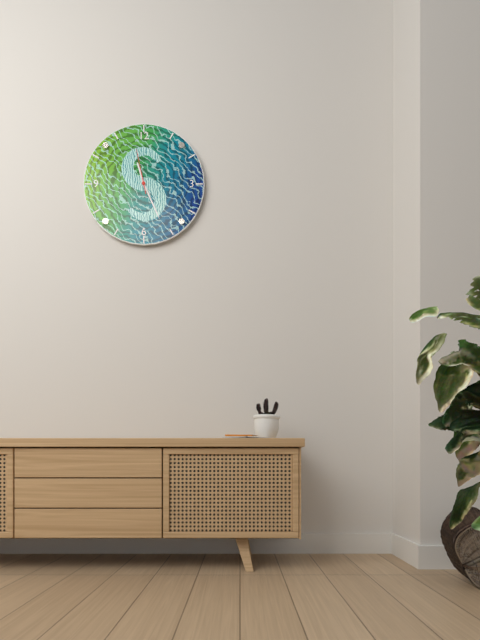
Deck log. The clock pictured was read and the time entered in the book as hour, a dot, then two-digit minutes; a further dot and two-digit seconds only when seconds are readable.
11.26
